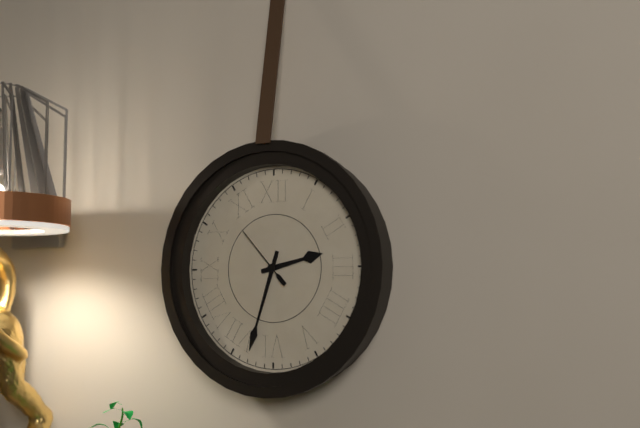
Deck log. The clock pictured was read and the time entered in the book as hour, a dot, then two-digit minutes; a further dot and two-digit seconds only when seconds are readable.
2.33.53
